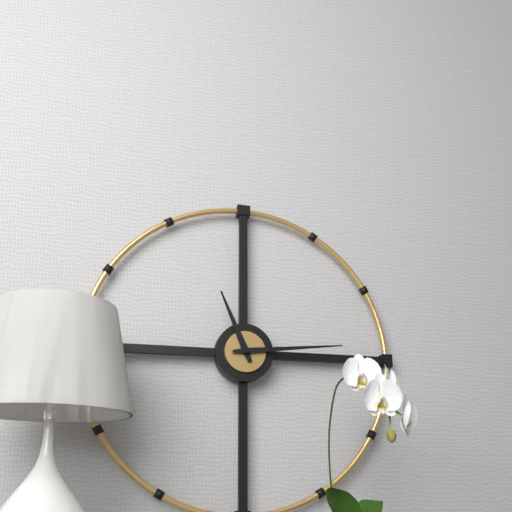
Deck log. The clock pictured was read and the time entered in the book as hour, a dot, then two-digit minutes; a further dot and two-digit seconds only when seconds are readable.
11.14
